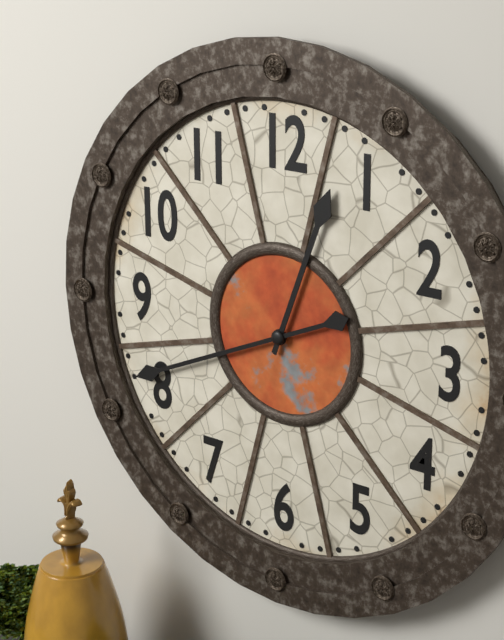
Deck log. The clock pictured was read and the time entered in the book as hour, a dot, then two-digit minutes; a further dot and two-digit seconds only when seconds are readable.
12.41
